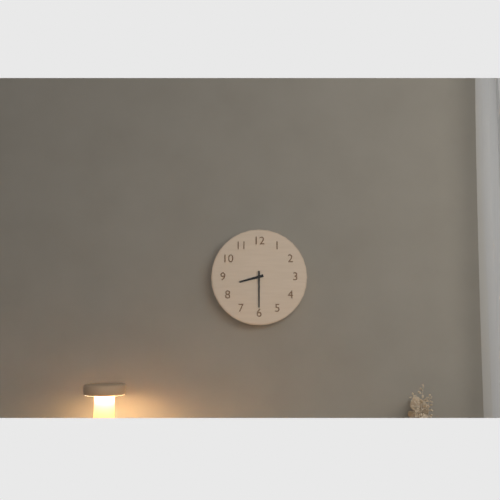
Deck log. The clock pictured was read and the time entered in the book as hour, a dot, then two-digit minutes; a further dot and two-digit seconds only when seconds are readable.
8.30
